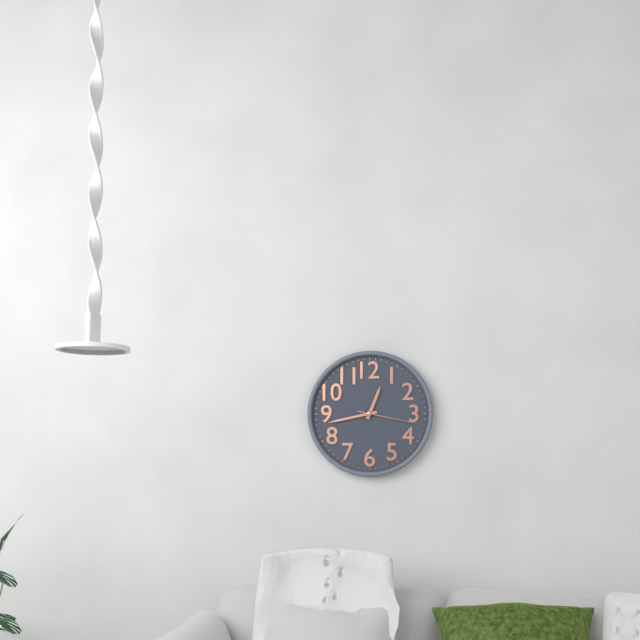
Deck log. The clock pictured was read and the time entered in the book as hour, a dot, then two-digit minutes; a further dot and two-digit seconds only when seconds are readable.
12.43.17
